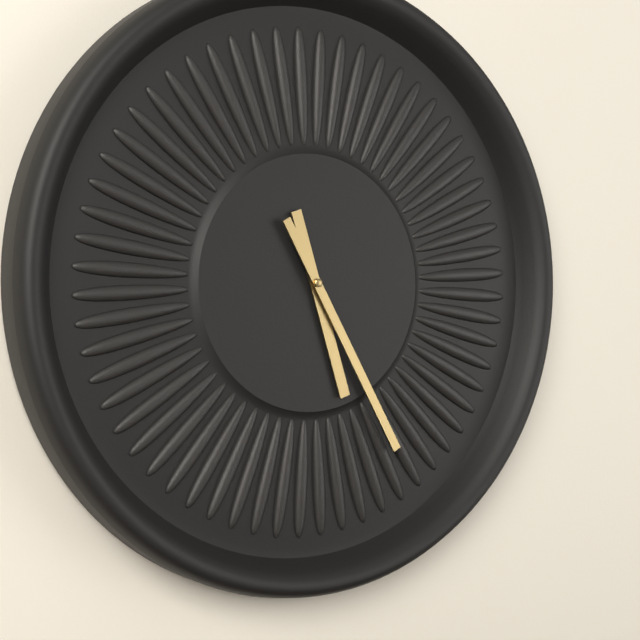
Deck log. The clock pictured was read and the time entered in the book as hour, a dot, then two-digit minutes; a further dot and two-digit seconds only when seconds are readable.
5.25
